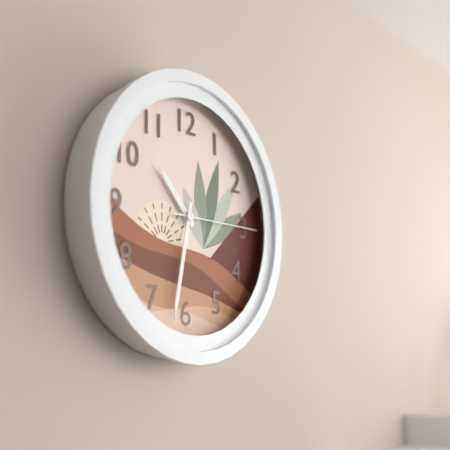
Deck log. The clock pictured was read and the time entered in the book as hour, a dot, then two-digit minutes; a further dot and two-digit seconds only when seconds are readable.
10.32.15
